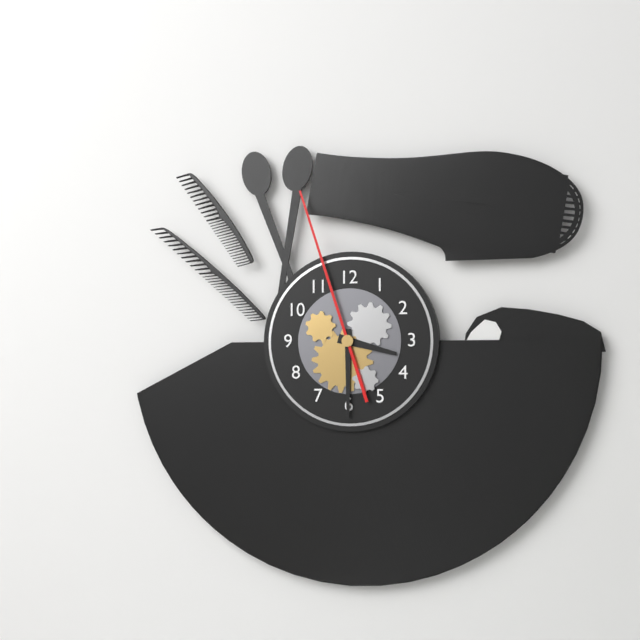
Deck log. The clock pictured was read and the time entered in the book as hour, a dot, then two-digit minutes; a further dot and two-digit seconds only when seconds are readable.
3.30.57
